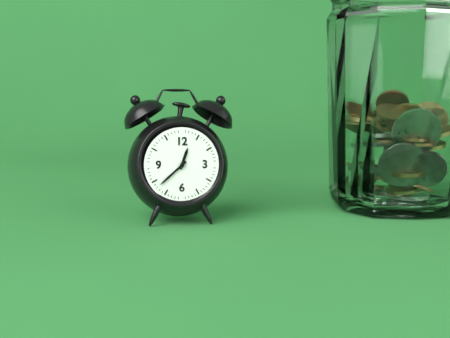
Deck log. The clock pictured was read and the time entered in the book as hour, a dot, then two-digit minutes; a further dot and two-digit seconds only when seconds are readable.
12.38
